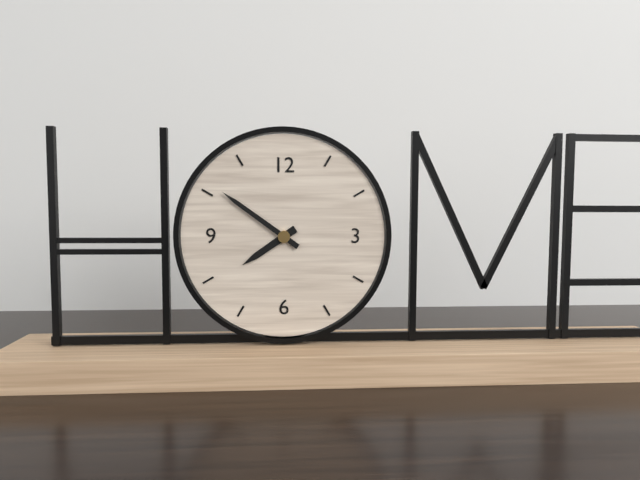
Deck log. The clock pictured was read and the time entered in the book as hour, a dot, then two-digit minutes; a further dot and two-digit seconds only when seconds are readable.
7.51
